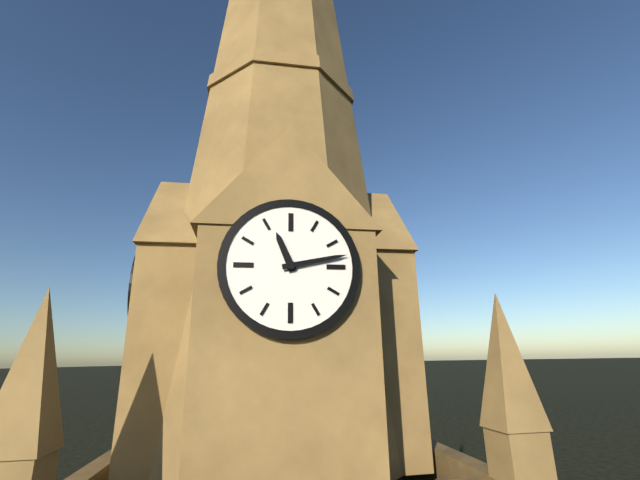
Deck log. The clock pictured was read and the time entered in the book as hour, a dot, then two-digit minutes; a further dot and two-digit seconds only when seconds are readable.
11.13
